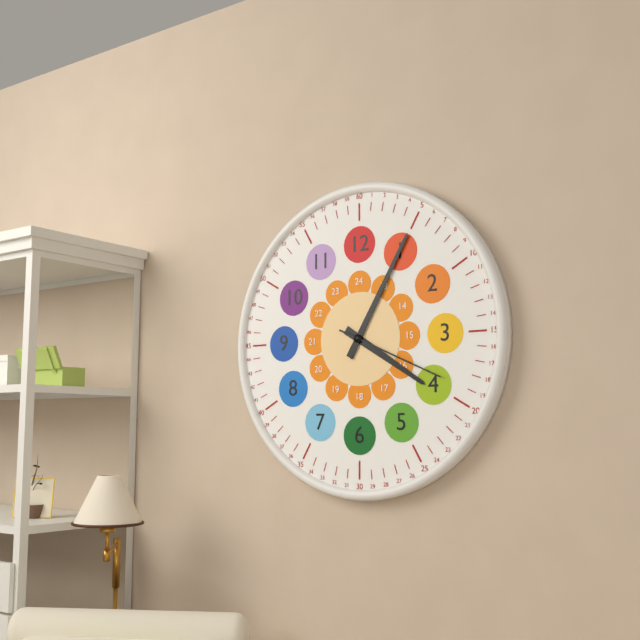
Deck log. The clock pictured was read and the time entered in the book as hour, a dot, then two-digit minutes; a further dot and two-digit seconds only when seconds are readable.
4.05.19
